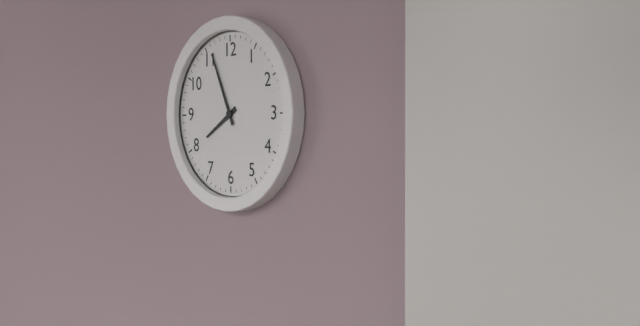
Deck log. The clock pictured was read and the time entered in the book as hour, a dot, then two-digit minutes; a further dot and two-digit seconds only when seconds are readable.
7.56
